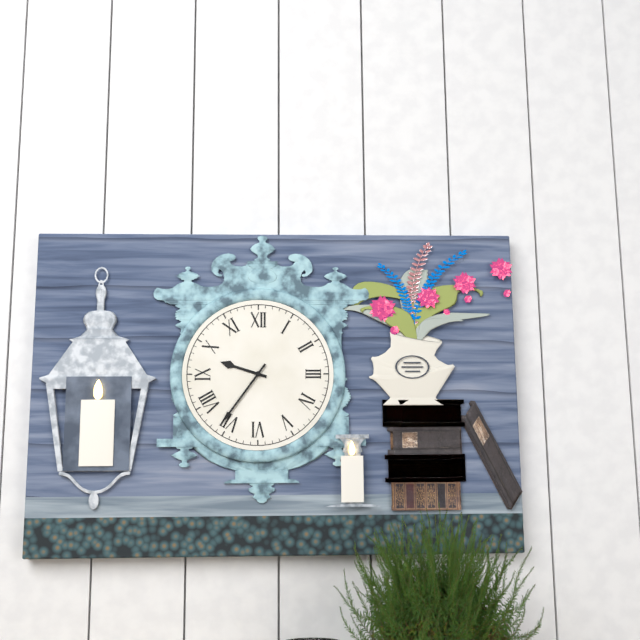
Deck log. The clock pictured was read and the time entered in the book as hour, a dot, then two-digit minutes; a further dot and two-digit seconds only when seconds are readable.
9.36
